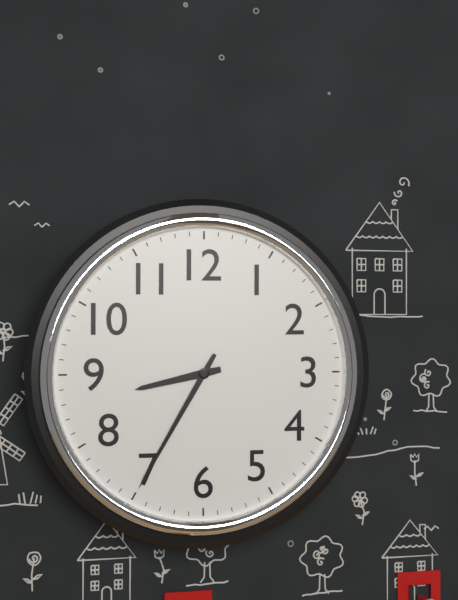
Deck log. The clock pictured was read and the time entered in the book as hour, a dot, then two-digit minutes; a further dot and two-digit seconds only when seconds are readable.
8.35
